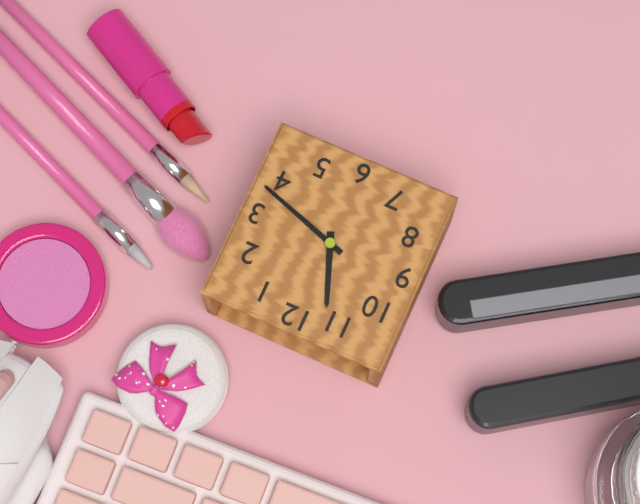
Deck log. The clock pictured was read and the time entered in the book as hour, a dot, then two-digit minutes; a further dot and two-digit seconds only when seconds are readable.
11.18
